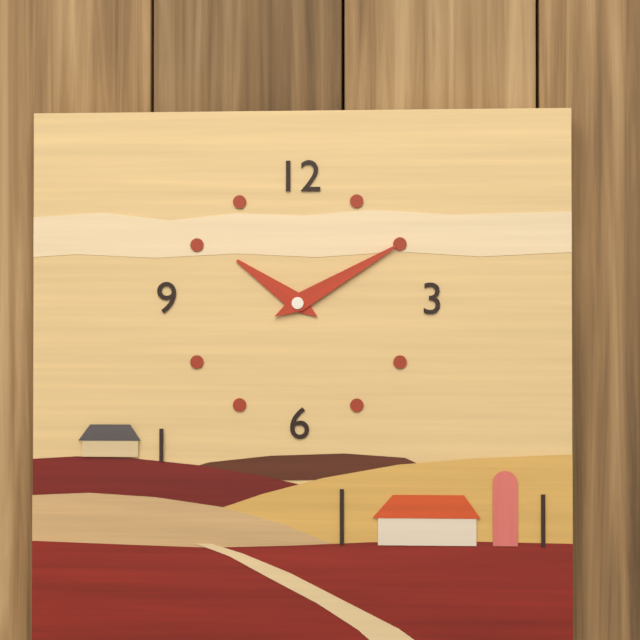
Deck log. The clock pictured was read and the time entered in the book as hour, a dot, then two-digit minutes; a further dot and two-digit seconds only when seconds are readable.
10.10
